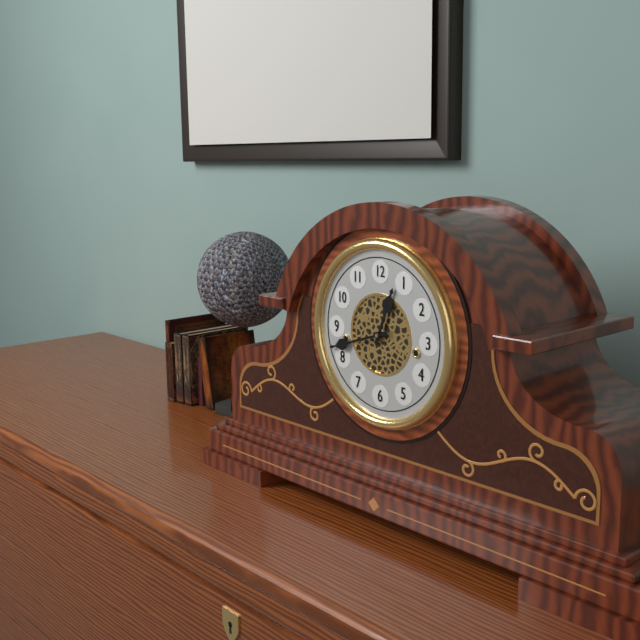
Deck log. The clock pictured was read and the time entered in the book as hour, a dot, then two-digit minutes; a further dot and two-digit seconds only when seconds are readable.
12.42
